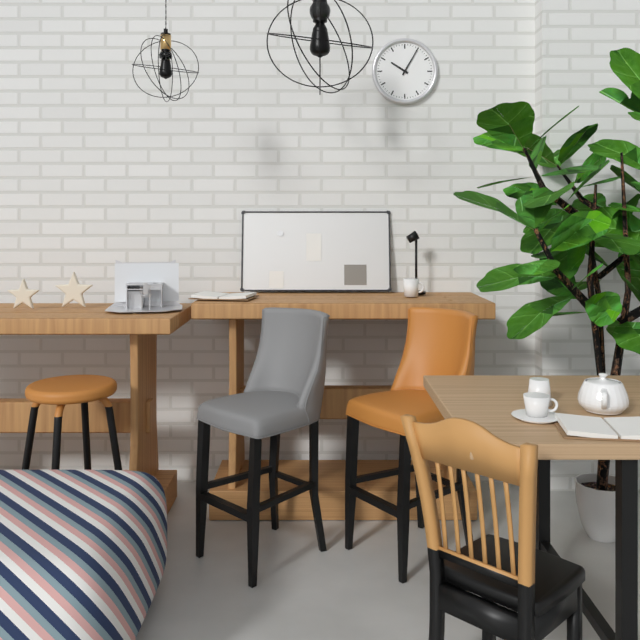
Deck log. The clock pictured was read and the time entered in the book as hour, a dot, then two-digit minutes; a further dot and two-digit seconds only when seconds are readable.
10.05
